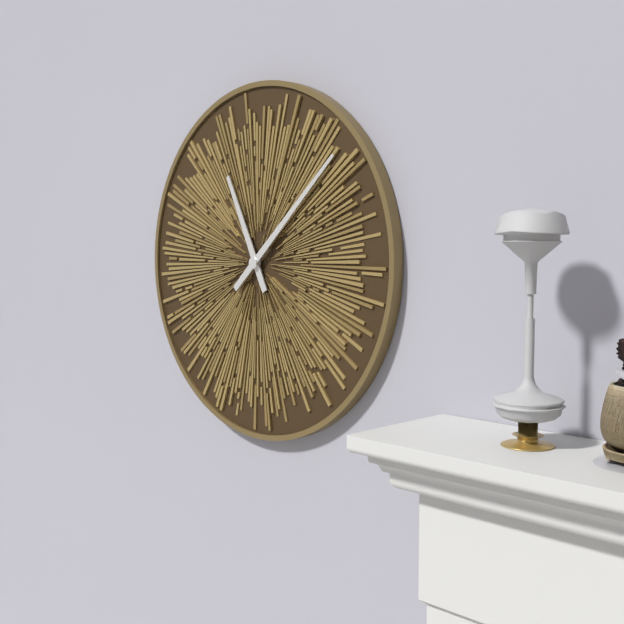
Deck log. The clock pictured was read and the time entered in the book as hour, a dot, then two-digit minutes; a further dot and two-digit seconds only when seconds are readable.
11.08
